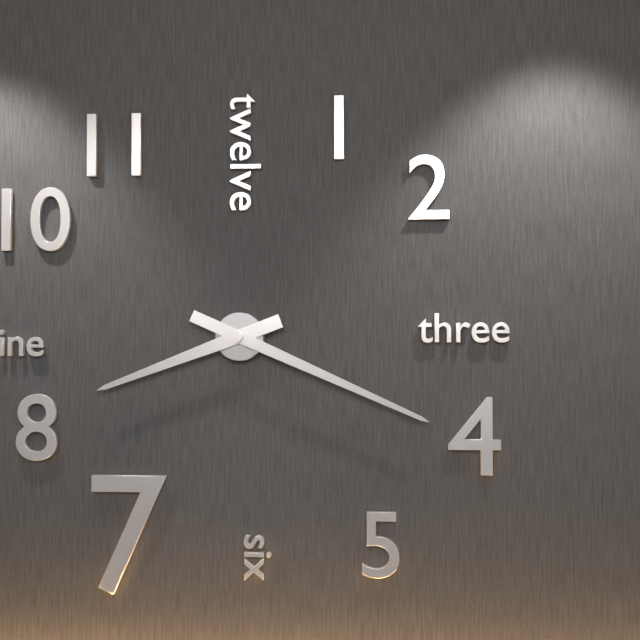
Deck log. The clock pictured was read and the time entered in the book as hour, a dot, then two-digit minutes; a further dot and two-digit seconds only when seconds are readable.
8.19
